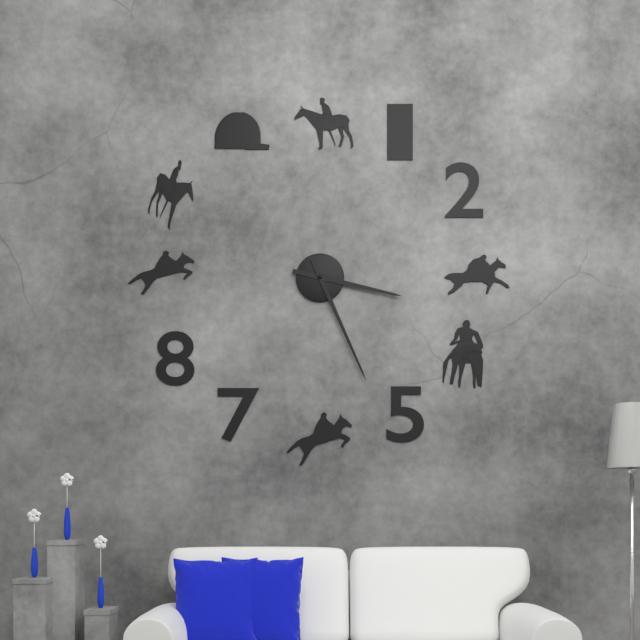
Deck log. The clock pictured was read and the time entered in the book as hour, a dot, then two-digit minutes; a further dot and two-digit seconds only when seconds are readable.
3.26
